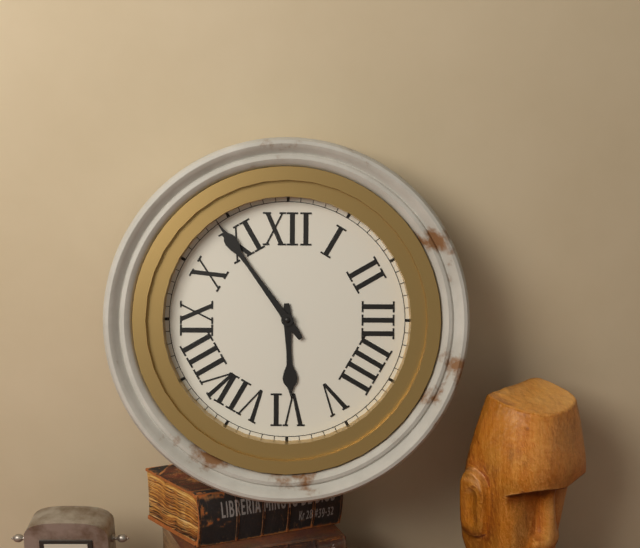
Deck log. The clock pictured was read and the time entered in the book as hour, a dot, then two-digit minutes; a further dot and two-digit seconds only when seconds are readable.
5.54
